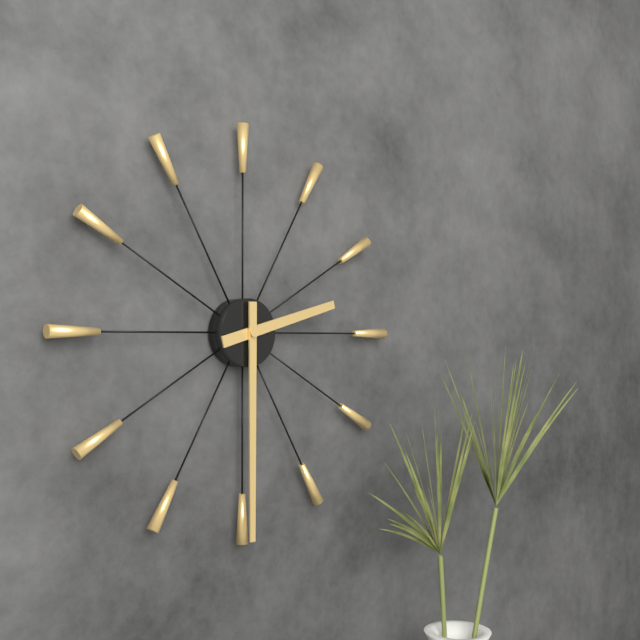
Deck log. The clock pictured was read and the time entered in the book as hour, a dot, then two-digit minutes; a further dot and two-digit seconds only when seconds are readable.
2.30
